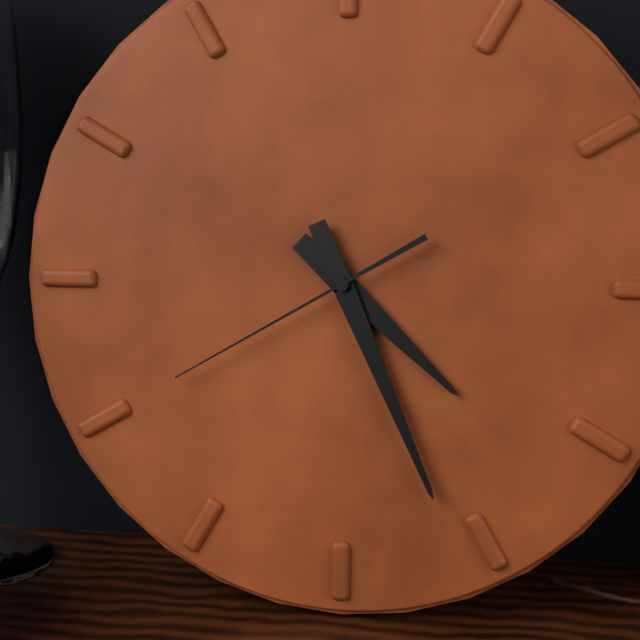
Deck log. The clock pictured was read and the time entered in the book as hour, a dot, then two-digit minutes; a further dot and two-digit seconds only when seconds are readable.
4.26.40
